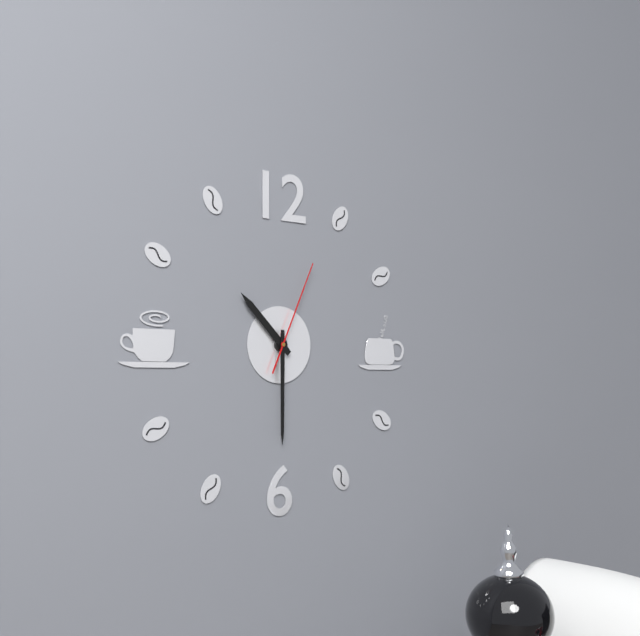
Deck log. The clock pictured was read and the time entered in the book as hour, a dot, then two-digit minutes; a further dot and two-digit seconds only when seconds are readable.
10.30.04
